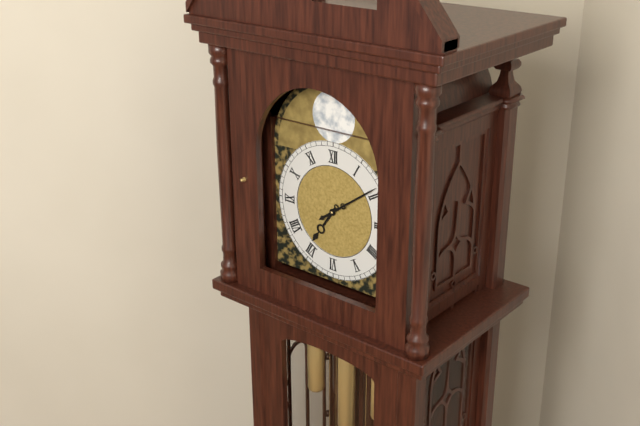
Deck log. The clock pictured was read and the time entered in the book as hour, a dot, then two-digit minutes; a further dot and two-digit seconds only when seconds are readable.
7.09
